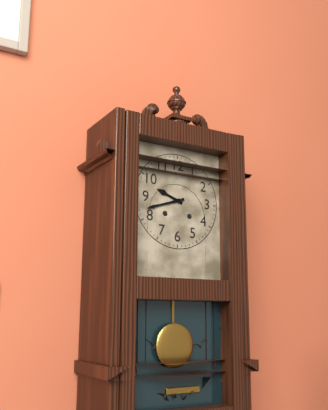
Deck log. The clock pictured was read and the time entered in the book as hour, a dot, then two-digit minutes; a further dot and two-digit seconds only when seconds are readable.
9.42
